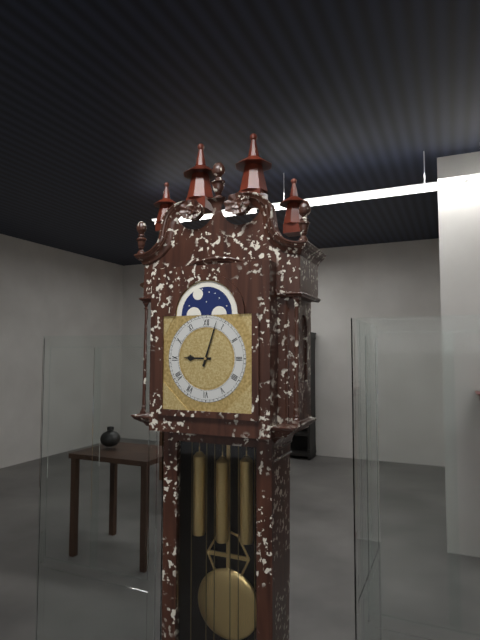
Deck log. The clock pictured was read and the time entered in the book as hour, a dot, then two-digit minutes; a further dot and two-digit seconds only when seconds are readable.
9.03
